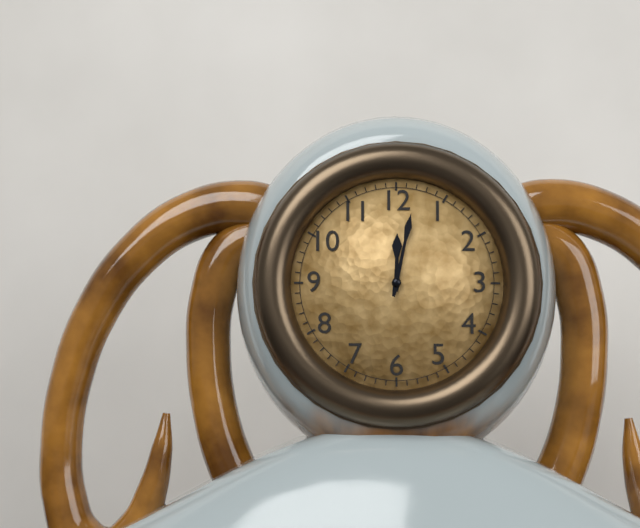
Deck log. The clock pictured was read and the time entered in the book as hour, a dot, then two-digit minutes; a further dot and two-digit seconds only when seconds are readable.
12.02
